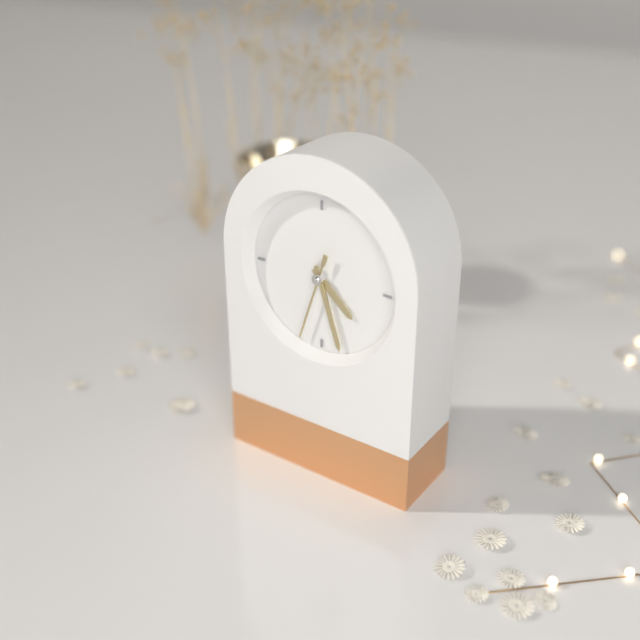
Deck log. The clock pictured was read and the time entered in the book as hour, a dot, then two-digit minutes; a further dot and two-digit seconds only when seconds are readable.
4.27.33
